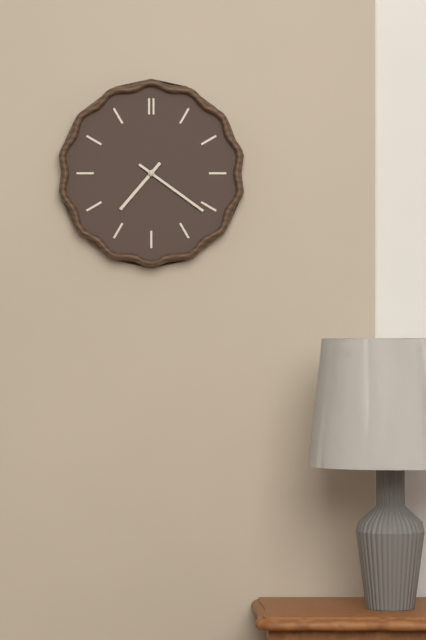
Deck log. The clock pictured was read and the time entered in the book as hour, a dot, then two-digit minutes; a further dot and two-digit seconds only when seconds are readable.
7.21
